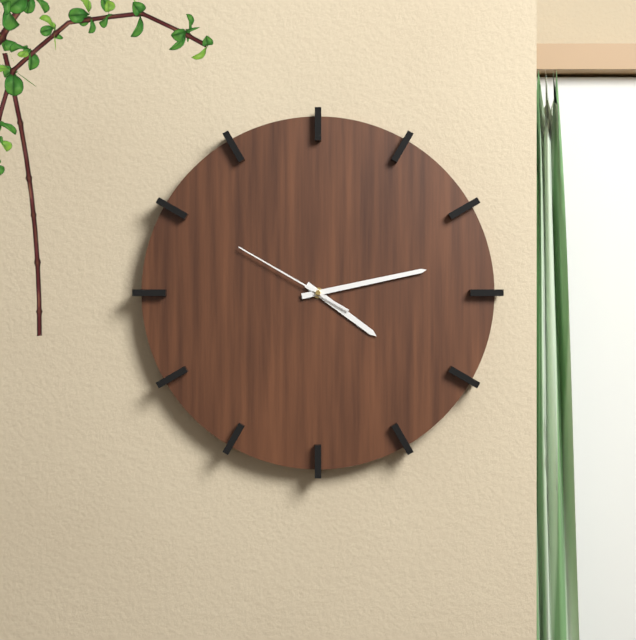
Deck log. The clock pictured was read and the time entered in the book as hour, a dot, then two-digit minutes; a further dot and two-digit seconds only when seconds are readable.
4.13.50
